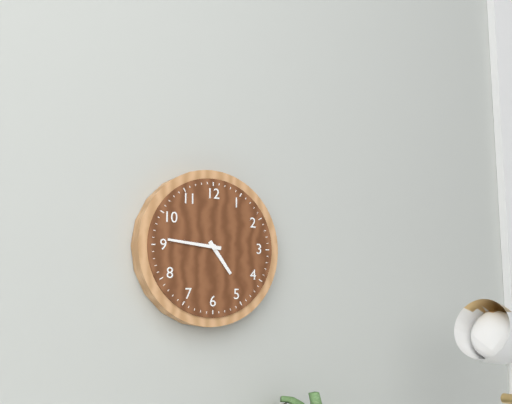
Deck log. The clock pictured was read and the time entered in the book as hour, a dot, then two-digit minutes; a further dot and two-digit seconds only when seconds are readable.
4.46
